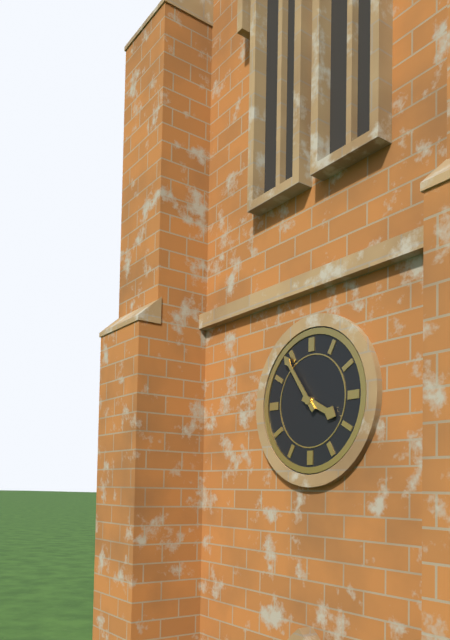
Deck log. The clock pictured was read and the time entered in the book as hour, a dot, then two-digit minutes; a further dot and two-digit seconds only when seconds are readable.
3.54
